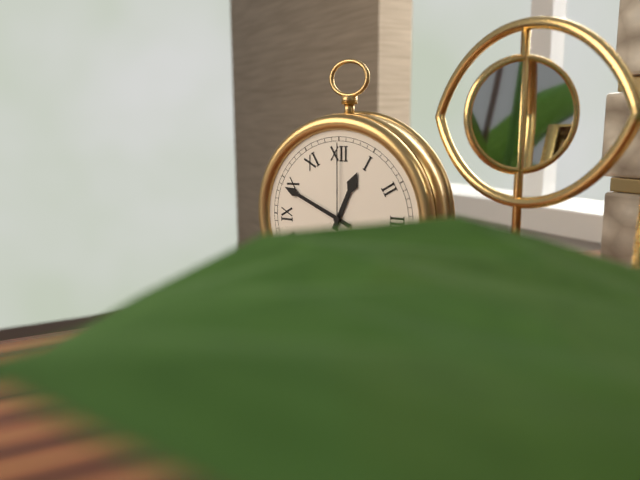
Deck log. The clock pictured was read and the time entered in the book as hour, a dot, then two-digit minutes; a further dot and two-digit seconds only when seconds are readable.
12.49.00
